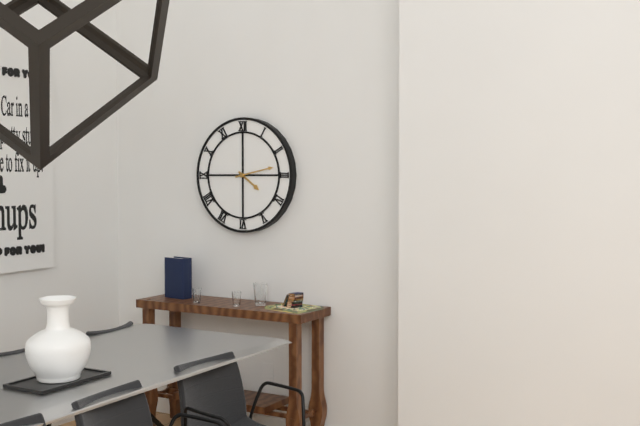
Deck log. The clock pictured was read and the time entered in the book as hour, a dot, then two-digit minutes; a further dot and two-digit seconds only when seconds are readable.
4.13
